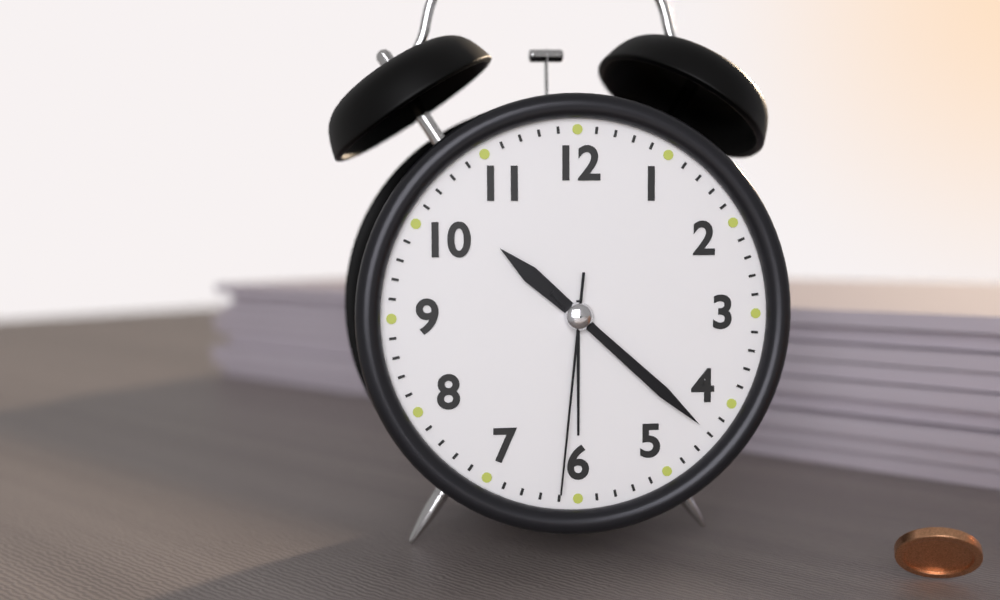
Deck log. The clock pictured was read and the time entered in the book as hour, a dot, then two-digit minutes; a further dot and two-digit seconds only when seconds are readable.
10.22.31
